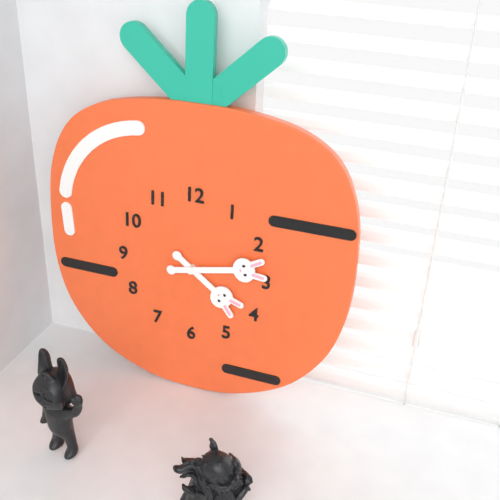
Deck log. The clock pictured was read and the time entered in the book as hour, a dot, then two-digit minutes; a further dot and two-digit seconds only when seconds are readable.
4.13
